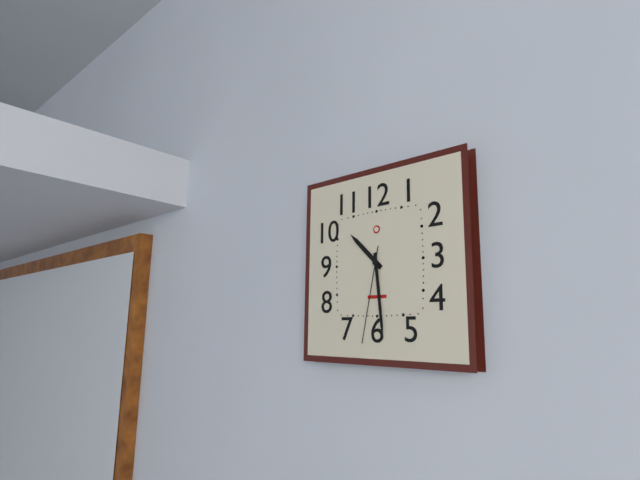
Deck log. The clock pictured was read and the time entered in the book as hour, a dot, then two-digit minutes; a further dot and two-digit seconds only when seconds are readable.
10.29.32
